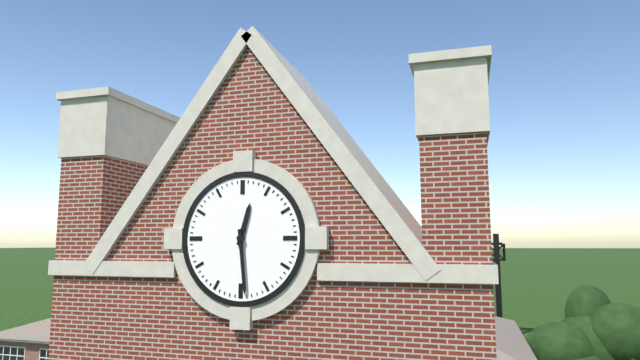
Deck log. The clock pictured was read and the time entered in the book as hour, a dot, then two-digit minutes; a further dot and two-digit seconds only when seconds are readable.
12.29
